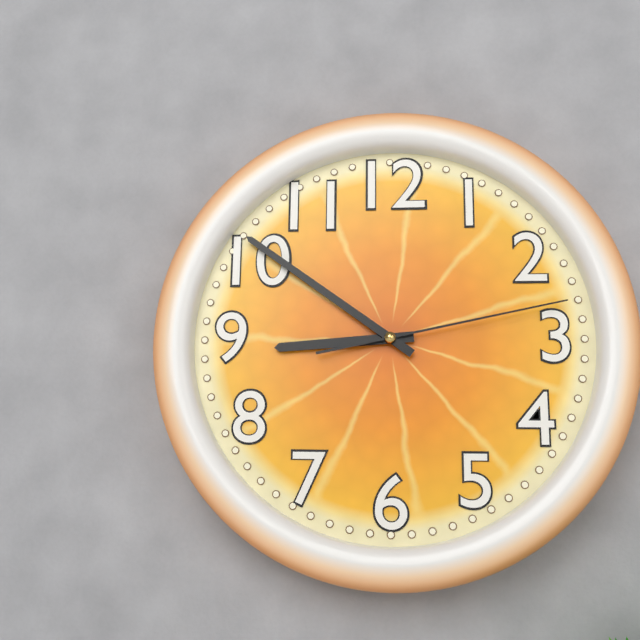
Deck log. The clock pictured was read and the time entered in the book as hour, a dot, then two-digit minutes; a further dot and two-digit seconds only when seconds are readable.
8.51.13
